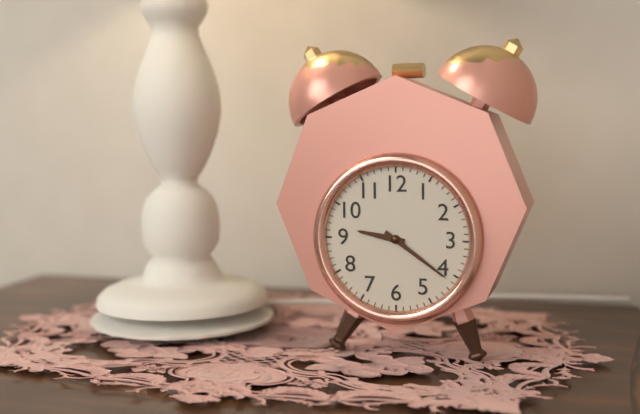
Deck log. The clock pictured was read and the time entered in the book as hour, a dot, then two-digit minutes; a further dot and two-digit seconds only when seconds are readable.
9.21
